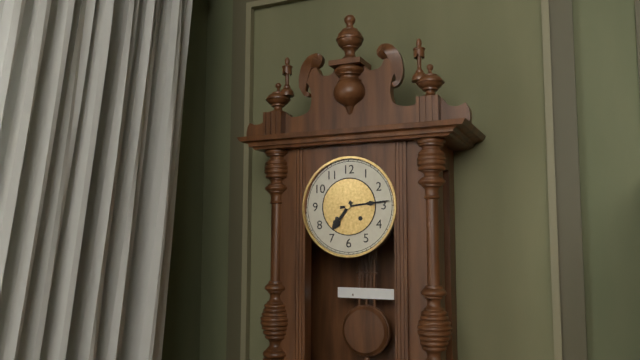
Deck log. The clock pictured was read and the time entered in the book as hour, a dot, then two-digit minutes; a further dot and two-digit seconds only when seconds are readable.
7.14
